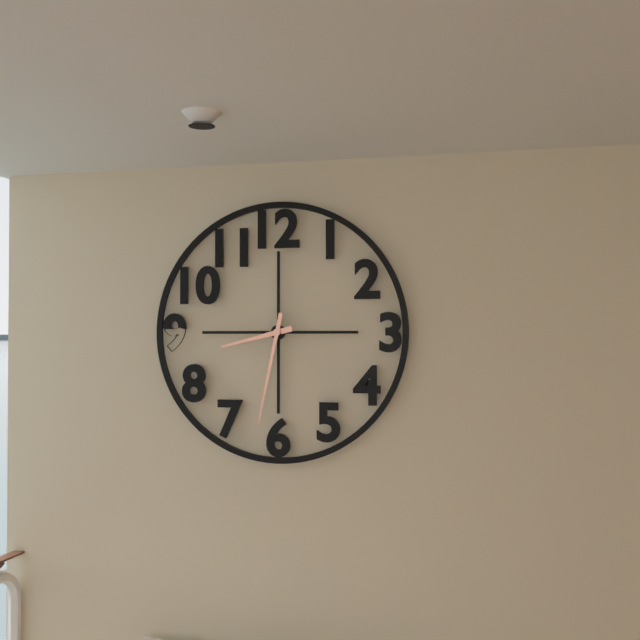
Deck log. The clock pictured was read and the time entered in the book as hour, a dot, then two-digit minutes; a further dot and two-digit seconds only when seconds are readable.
8.32
